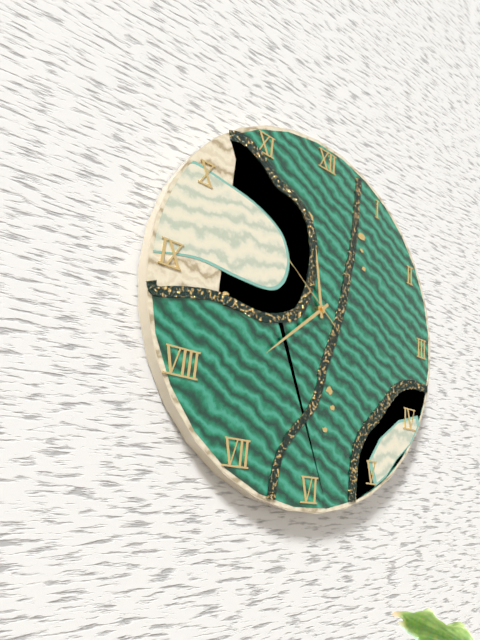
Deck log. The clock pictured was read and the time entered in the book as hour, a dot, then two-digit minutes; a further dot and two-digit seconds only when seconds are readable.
11.38.51
